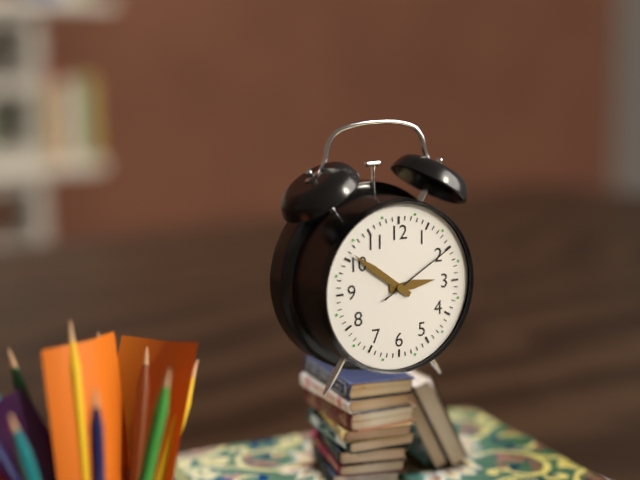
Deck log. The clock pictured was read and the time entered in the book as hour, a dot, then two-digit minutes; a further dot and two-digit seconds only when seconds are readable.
2.51.10
